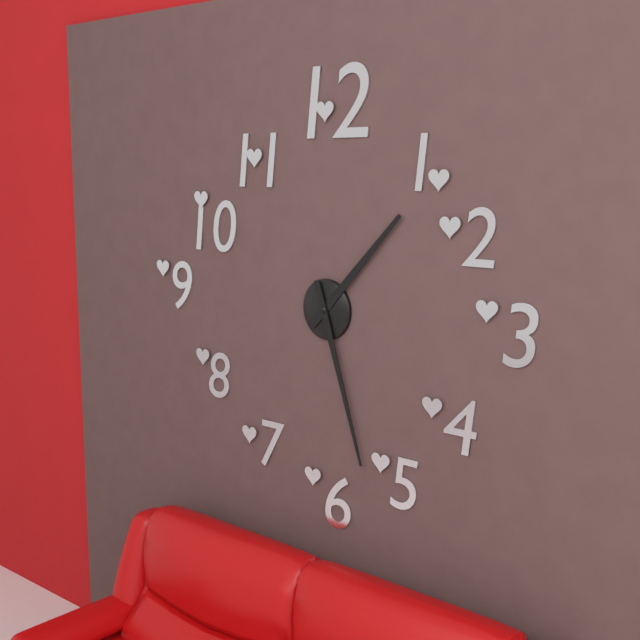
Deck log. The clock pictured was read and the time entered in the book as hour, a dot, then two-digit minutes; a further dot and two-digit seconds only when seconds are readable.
1.27
